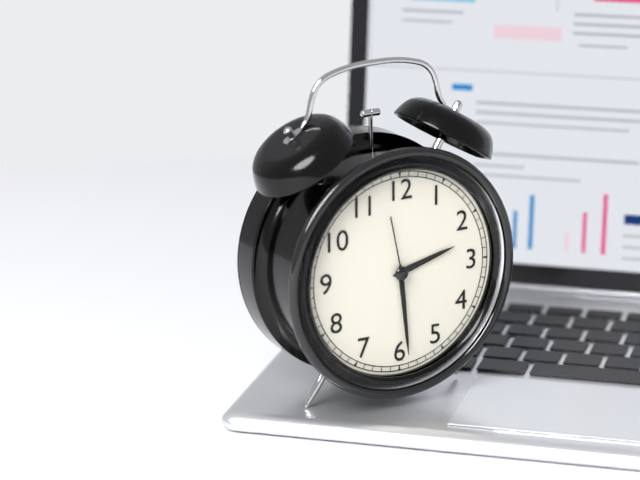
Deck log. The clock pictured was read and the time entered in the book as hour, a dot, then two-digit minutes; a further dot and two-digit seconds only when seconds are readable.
2.29.58
